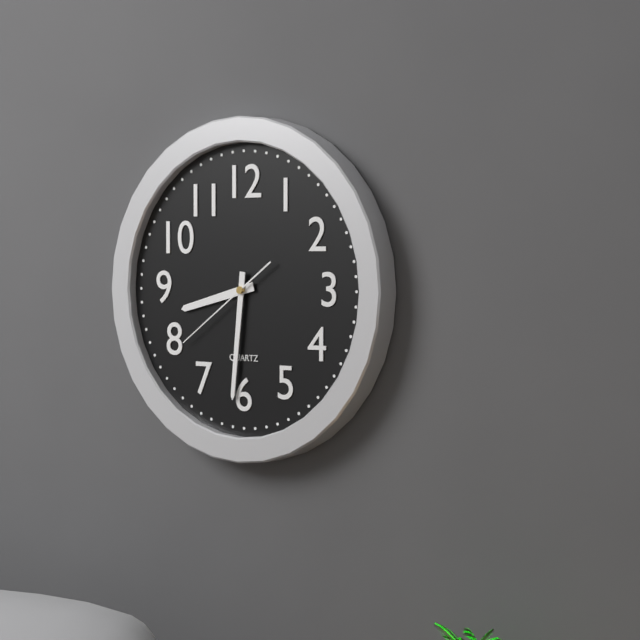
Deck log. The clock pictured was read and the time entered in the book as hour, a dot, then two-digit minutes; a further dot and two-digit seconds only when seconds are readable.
8.31.39
